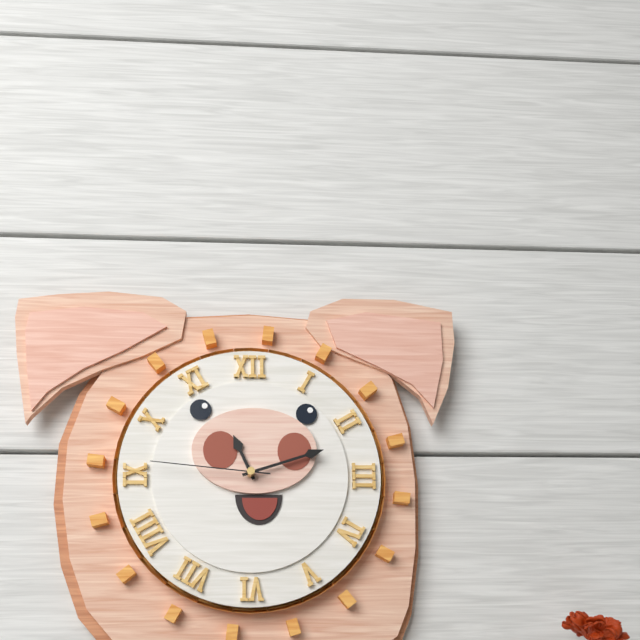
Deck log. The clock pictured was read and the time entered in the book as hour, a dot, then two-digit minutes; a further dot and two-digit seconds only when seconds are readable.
11.12.46
